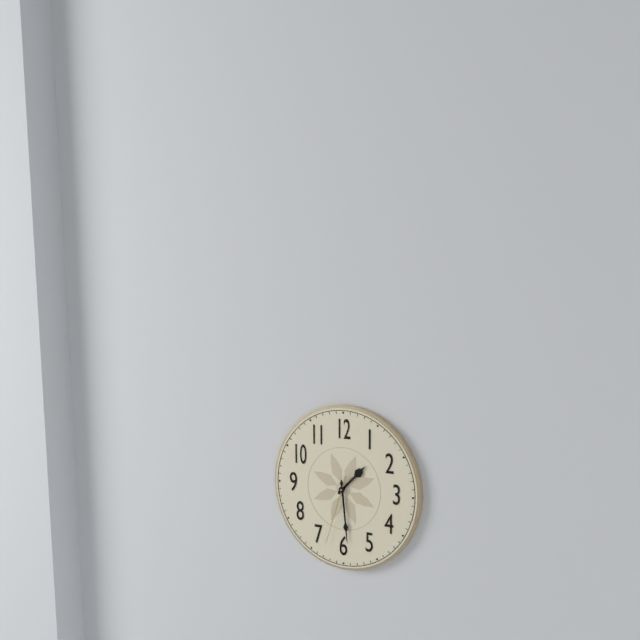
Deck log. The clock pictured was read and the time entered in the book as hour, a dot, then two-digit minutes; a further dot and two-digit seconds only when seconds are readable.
1.29.33
